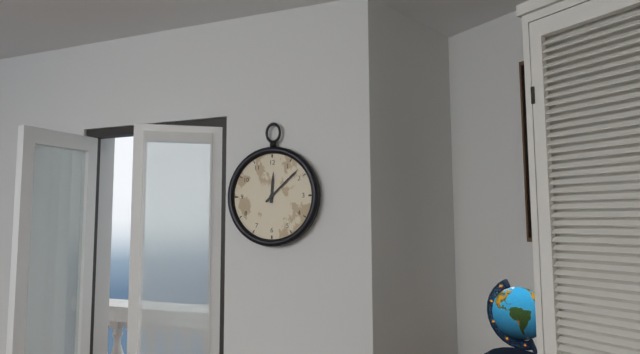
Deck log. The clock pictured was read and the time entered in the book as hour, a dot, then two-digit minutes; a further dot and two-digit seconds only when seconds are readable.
12.08
